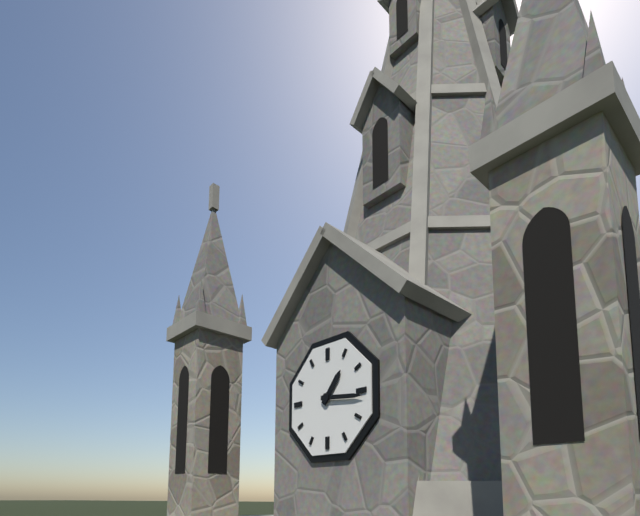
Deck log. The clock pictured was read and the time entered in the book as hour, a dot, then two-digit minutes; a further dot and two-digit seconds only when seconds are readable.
1.16
